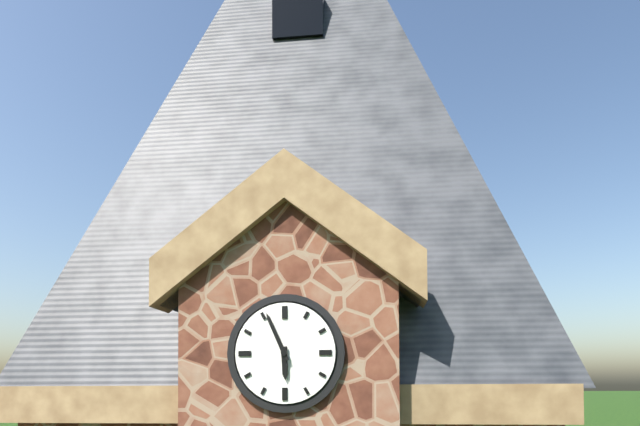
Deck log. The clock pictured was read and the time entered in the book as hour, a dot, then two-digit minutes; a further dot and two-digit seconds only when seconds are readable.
5.56
